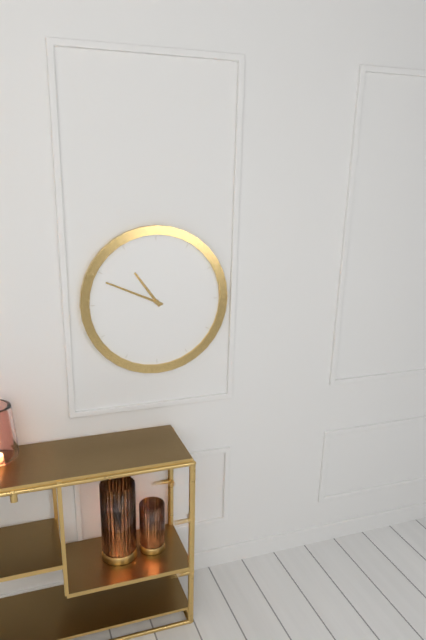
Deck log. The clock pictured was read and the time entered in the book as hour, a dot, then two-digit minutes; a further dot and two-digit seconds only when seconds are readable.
10.49
